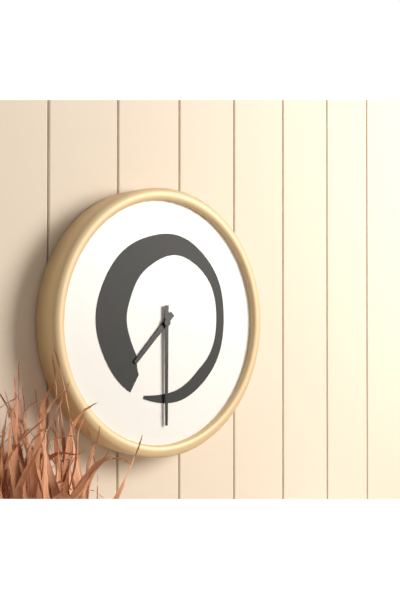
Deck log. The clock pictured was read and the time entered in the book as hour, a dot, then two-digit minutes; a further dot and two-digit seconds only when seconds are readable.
7.30
